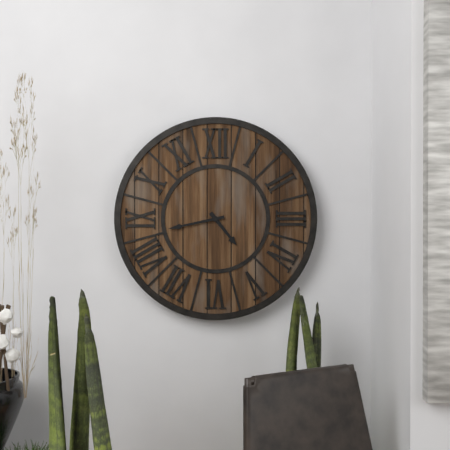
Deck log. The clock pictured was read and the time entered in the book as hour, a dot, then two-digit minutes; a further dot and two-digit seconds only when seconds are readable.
4.43
